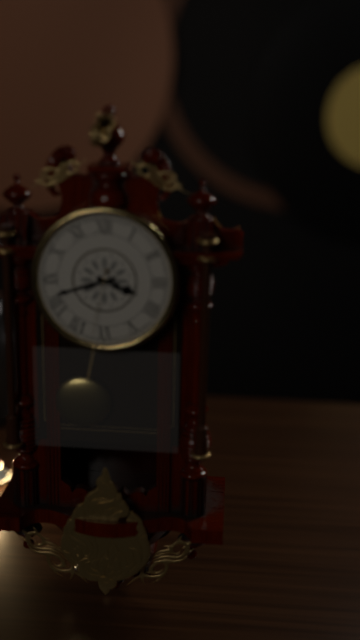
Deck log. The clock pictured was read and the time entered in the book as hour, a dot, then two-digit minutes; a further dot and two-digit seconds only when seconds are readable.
3.42.32
